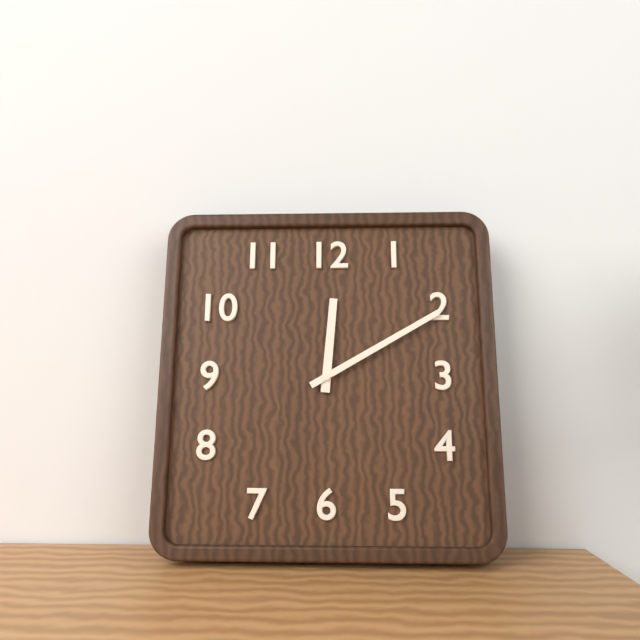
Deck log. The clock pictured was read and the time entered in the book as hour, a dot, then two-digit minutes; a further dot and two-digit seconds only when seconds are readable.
12.10
